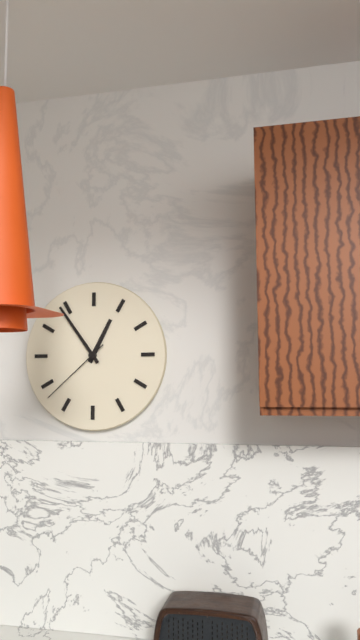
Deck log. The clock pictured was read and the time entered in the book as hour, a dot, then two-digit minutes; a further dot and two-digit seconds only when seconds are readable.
12.54.38
